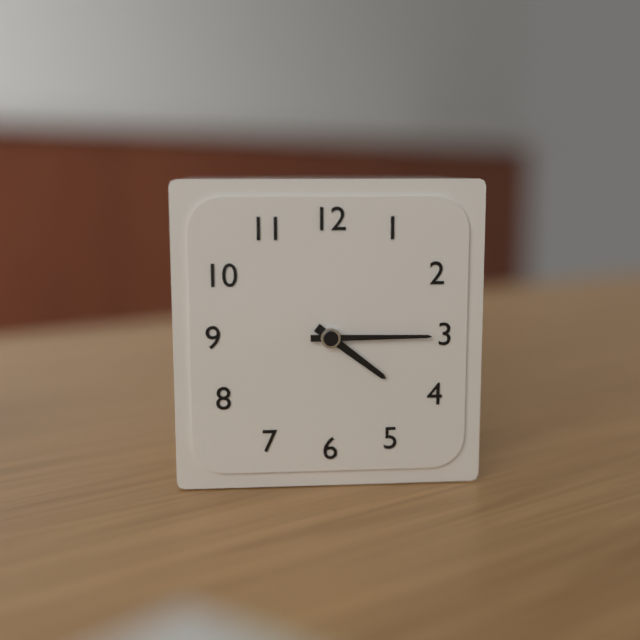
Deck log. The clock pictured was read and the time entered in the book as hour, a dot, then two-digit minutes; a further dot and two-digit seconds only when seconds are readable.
4.15
